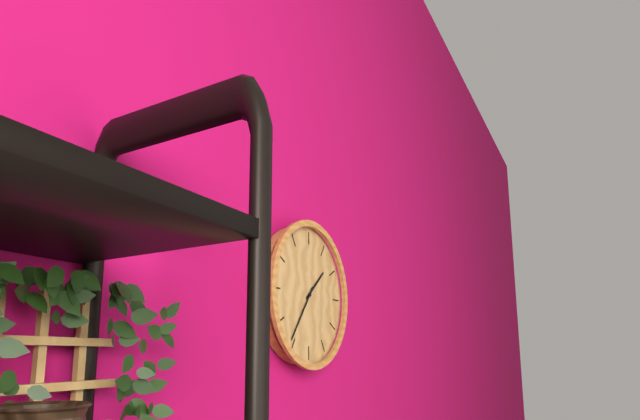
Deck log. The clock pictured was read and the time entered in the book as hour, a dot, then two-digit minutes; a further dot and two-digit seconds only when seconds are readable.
1.36
